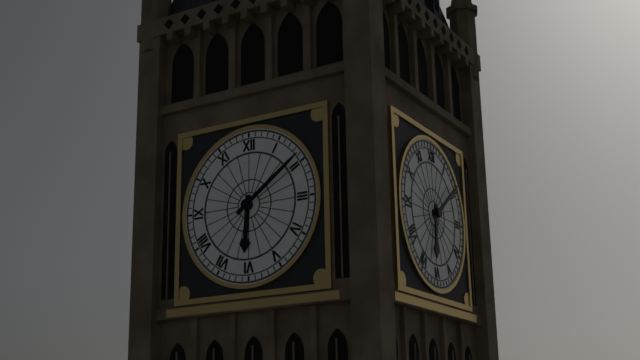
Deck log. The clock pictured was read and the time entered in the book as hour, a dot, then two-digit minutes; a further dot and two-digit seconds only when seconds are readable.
6.09
